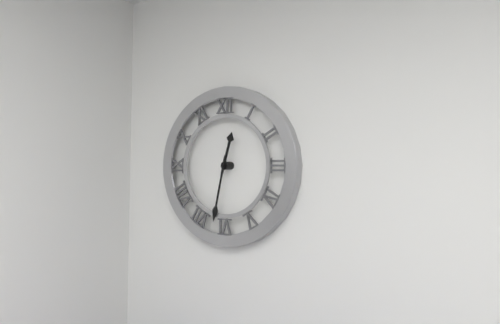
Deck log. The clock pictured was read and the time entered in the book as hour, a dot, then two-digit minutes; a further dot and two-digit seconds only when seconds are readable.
12.32
